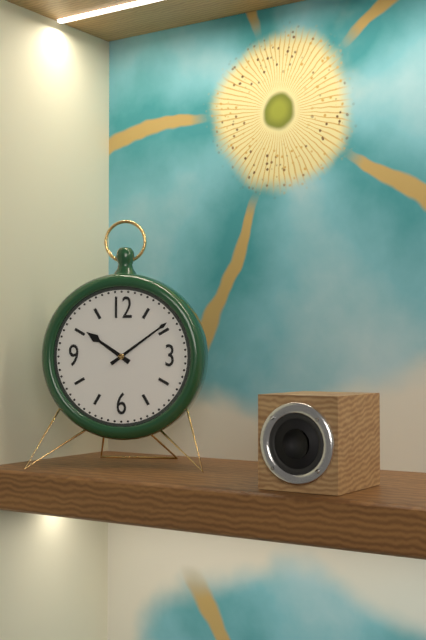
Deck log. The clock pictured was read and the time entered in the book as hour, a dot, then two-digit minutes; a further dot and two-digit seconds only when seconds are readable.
10.09
